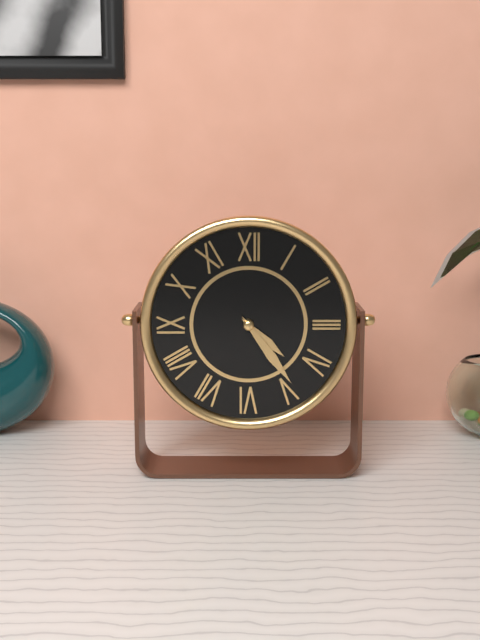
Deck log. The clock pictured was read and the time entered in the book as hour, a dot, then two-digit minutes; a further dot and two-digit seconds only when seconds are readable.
4.24
